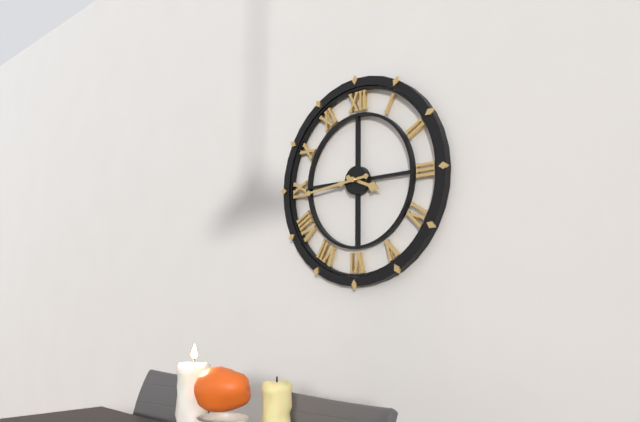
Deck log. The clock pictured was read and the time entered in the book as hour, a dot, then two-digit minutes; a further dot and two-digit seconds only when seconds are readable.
3.44
